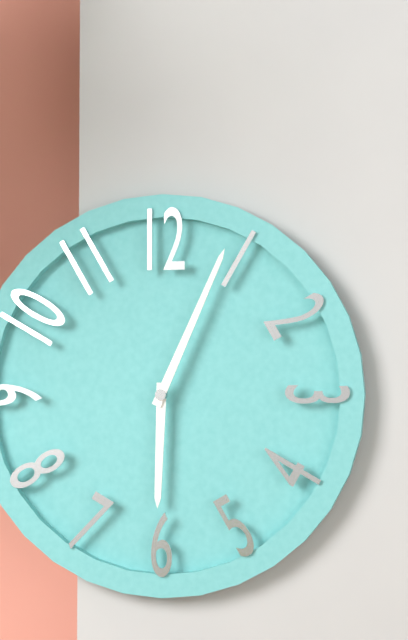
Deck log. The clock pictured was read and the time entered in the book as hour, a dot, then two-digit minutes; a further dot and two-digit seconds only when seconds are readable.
6.04
